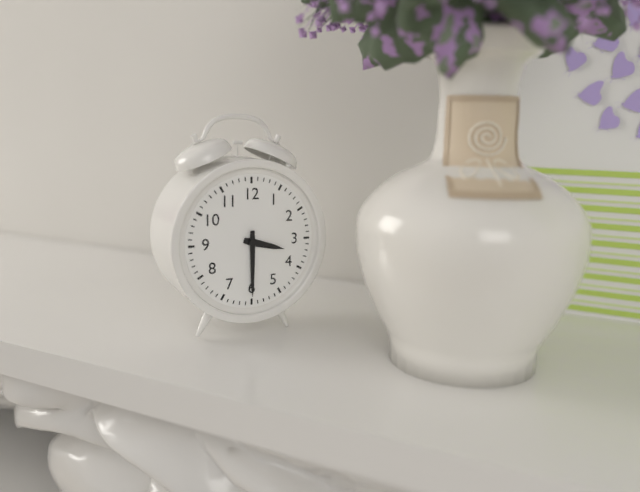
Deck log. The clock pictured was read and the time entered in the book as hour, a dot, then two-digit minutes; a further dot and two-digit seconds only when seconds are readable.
3.30
